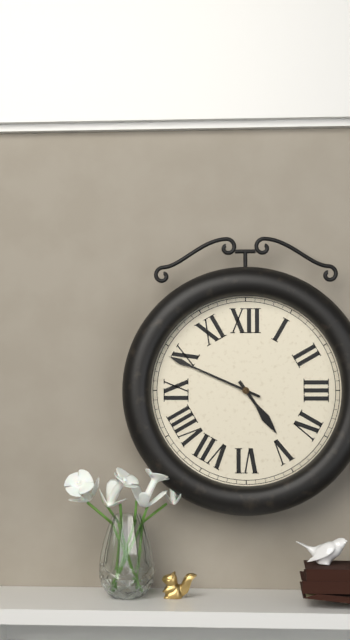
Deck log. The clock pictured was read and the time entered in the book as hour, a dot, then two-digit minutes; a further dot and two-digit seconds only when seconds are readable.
4.49
